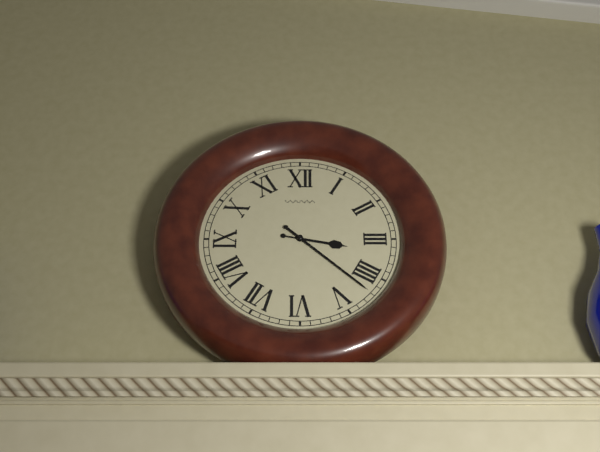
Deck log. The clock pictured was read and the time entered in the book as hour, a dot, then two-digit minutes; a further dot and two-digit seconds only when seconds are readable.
3.22
